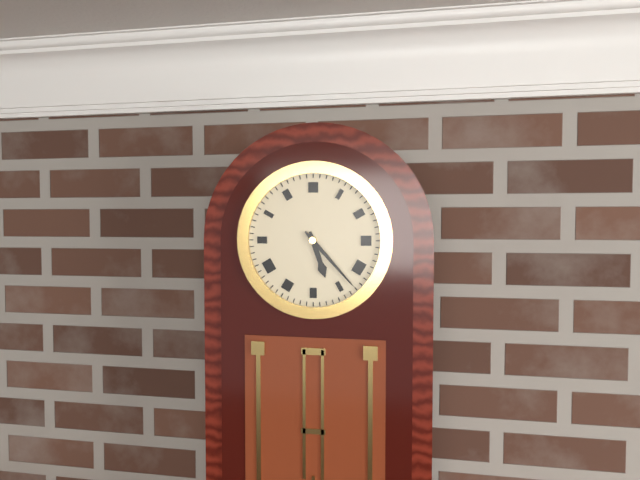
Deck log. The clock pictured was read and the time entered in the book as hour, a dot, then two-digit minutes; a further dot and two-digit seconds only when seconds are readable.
5.23
